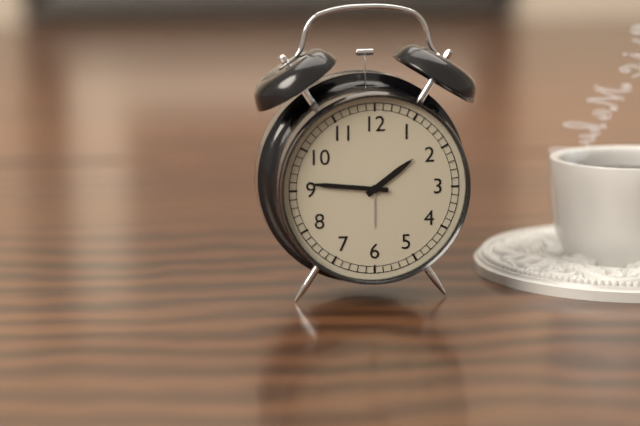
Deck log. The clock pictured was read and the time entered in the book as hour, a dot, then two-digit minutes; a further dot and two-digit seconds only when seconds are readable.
1.46
